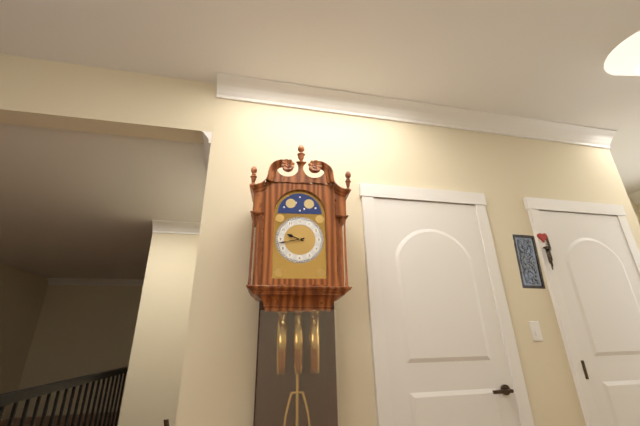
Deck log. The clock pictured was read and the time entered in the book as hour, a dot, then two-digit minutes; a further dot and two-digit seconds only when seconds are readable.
9.43
